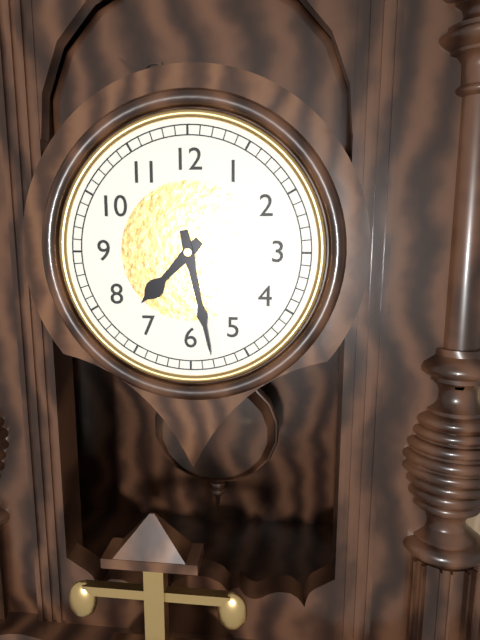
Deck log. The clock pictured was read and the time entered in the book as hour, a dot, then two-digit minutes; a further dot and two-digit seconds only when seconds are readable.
7.28
